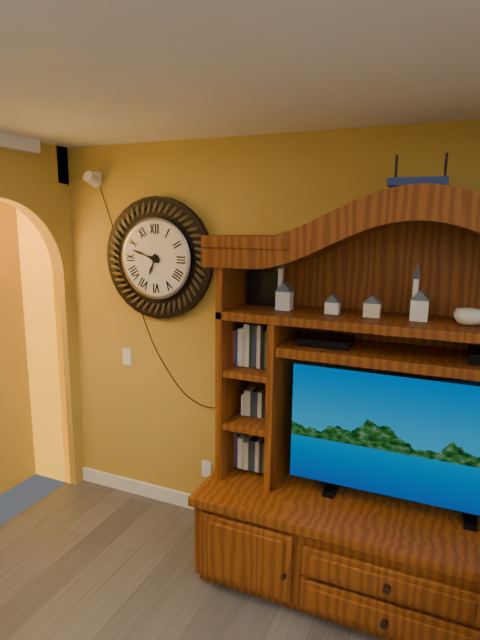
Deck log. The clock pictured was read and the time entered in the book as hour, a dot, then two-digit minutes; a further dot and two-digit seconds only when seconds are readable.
6.48
